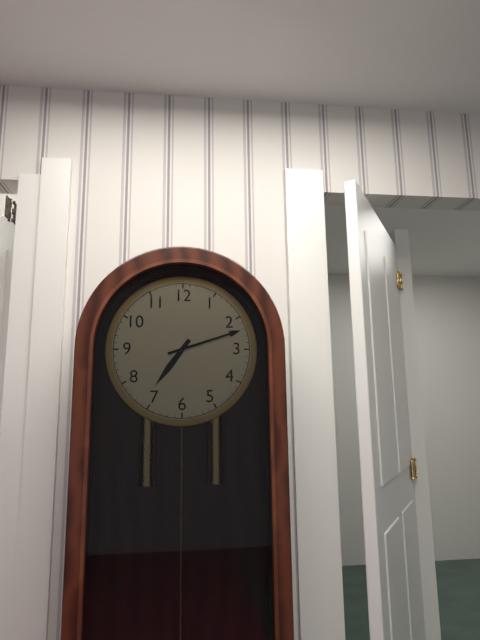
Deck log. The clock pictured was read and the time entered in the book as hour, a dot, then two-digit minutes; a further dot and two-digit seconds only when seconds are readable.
7.12
